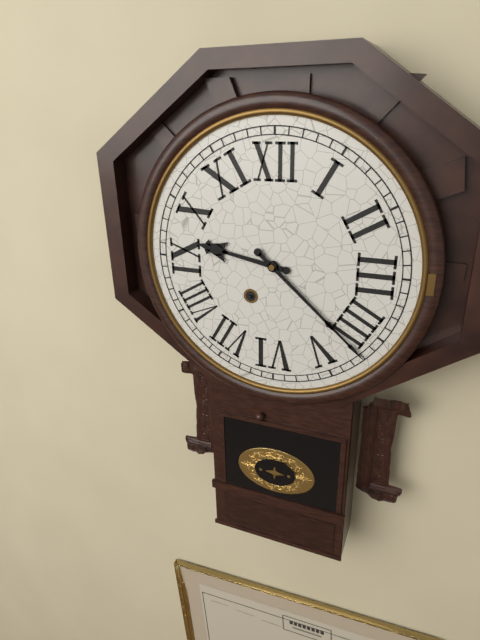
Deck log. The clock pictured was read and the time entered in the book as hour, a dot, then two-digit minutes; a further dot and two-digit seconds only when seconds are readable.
9.22
